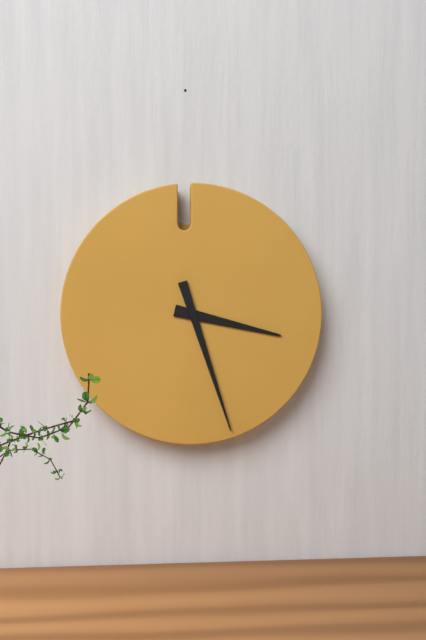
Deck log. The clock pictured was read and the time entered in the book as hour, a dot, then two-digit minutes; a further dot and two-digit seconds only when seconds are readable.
3.27
